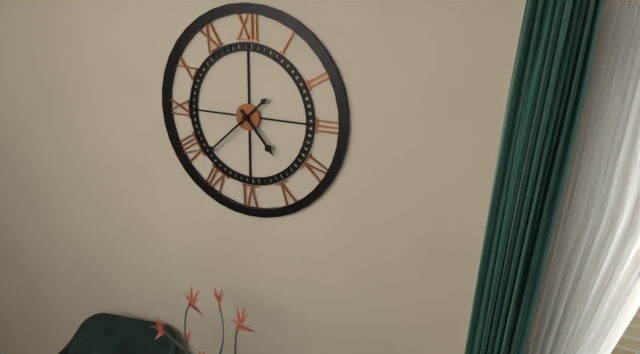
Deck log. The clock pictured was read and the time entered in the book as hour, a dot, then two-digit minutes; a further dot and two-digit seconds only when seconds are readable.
4.38
